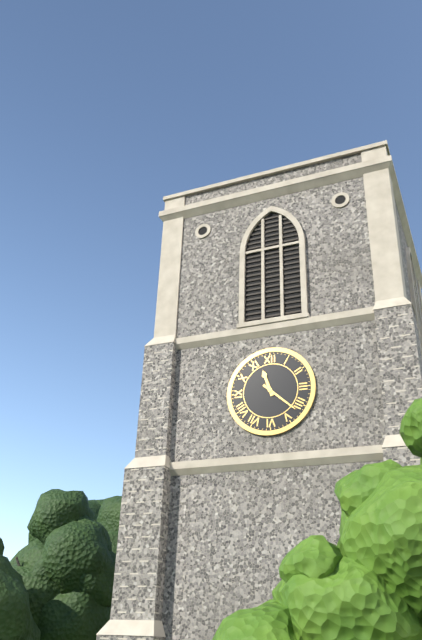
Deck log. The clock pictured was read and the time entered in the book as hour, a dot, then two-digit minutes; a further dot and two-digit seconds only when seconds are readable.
11.22
